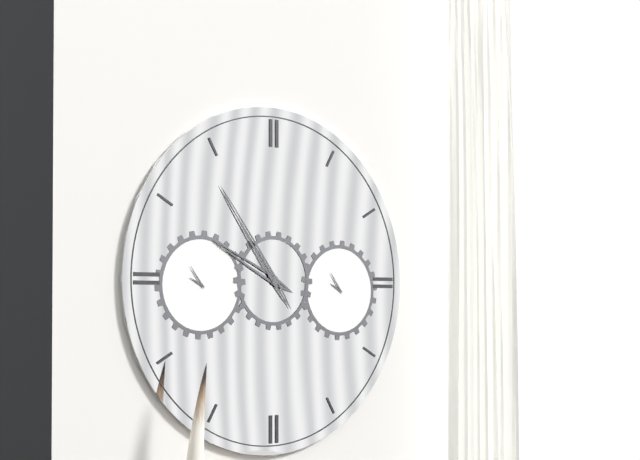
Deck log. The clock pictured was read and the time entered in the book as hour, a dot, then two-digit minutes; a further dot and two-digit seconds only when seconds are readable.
9.54
